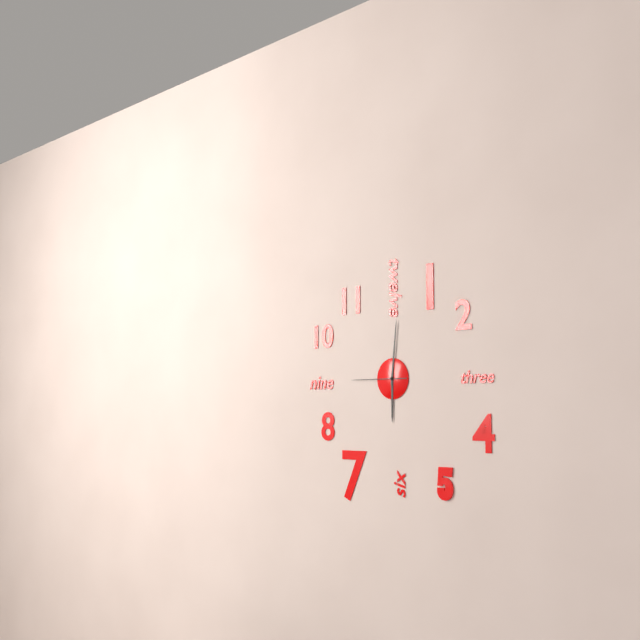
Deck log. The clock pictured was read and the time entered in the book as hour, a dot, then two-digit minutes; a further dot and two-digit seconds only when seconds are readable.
6.01.45
